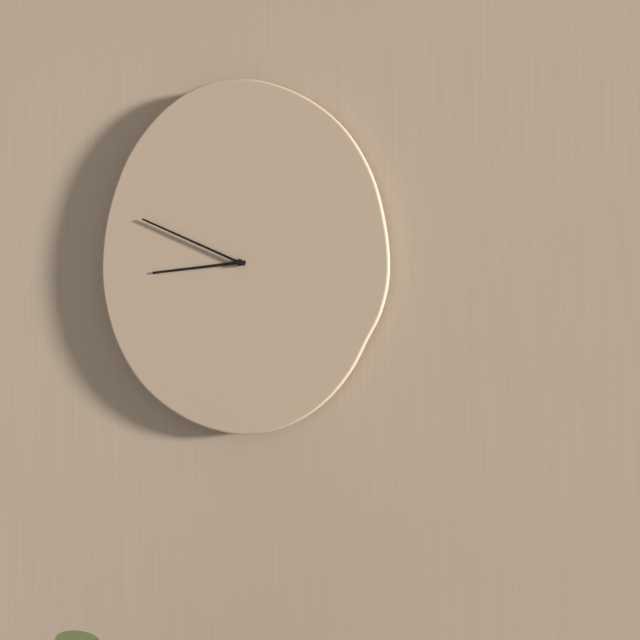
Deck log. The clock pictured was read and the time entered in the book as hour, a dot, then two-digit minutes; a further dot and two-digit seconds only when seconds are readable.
8.49
